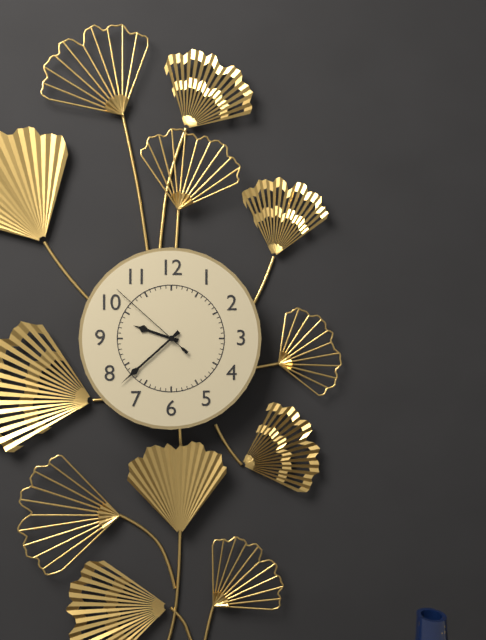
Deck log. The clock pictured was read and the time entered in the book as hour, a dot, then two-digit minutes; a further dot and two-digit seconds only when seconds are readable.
9.38.52
